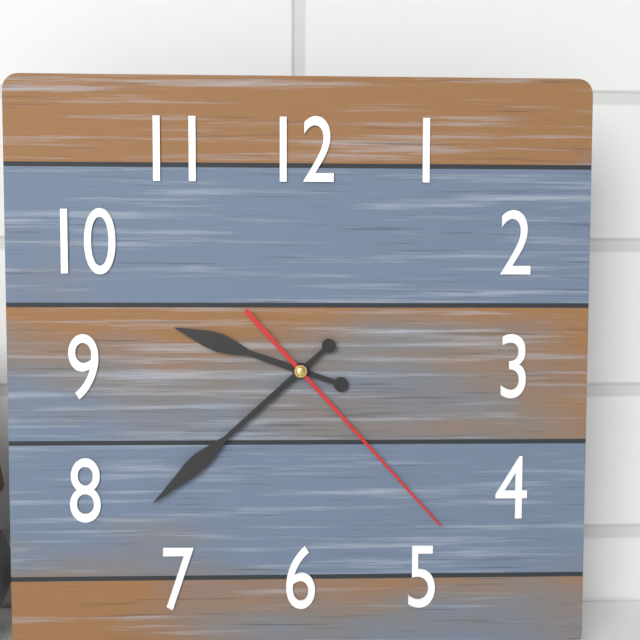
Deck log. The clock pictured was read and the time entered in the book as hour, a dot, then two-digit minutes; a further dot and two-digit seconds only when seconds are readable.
9.38.23
